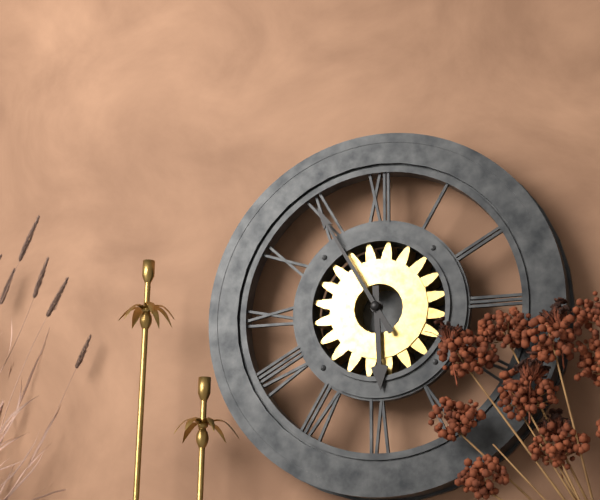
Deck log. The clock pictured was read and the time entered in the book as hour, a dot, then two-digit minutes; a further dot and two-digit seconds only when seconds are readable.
5.55
